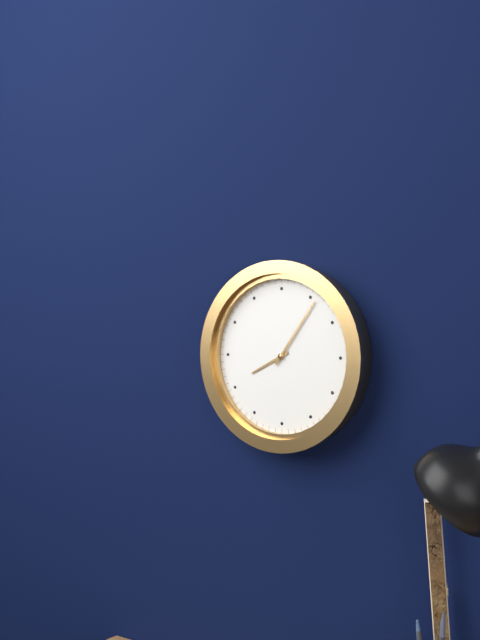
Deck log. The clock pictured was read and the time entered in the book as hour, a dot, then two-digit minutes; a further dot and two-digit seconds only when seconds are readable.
8.06
